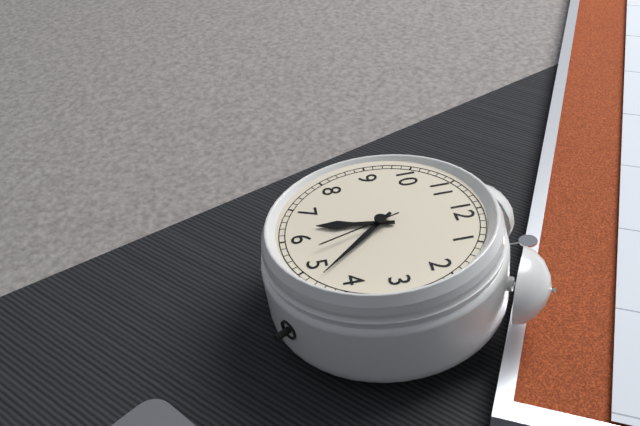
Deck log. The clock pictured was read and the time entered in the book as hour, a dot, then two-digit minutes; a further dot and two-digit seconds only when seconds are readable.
6.23.27
